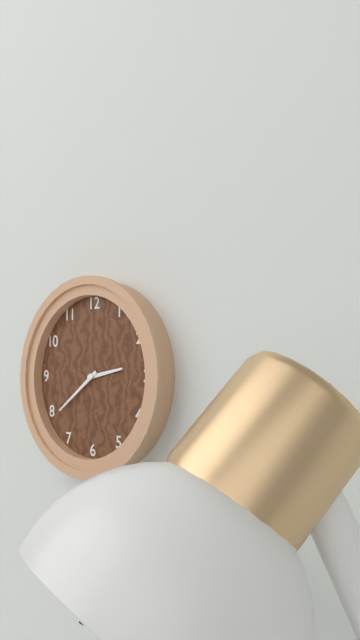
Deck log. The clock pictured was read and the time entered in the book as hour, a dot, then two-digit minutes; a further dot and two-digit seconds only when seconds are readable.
2.39
